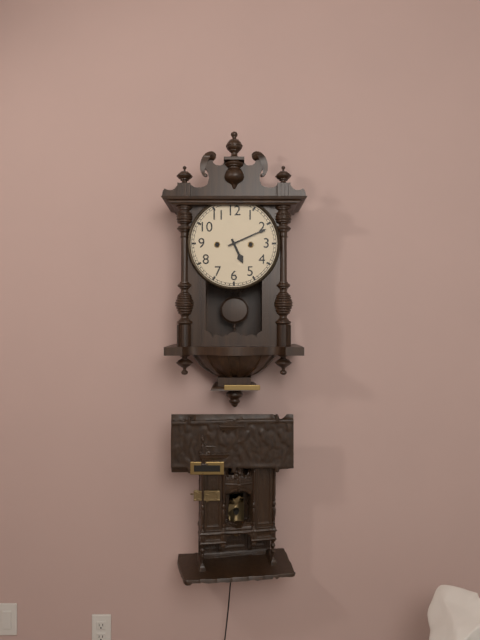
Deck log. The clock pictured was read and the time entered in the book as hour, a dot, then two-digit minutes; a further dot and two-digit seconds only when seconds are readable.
5.11
